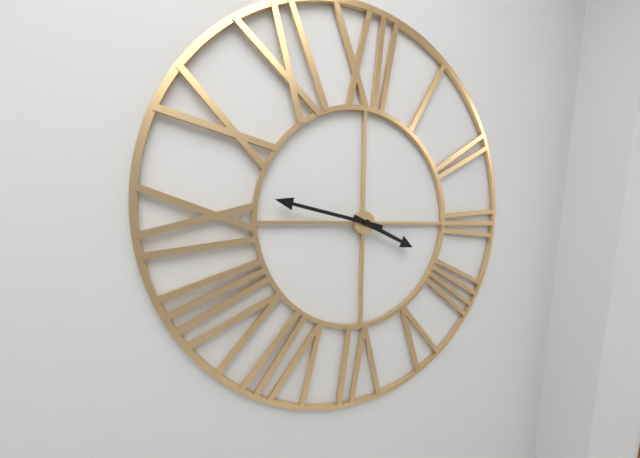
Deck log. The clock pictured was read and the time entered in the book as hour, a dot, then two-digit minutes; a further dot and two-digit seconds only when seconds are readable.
3.47
